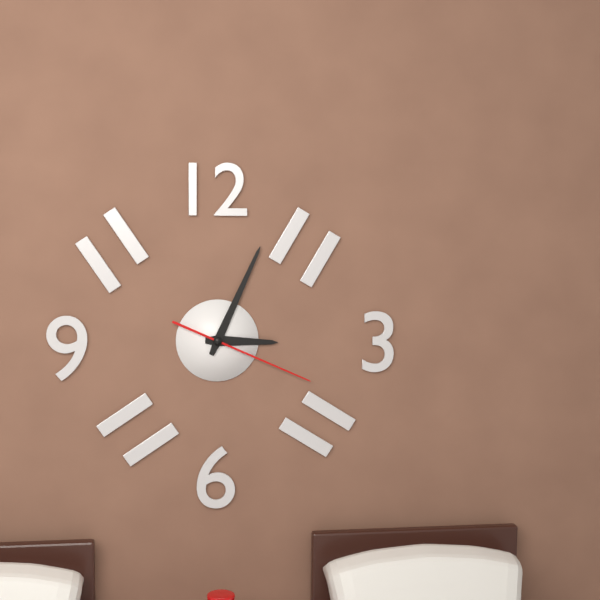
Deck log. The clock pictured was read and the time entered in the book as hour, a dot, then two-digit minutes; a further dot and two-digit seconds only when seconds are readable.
3.04.19
